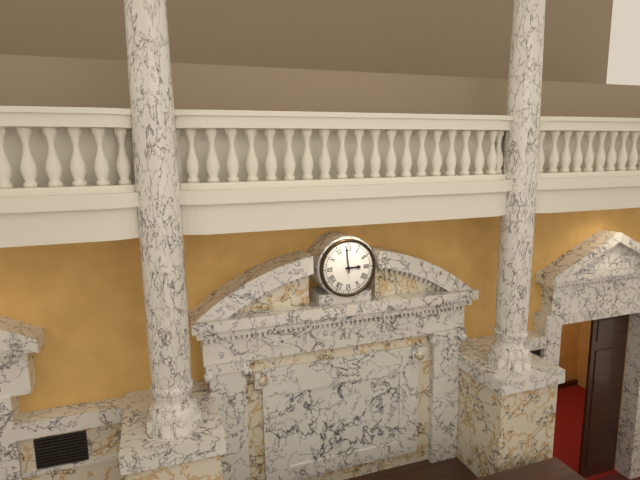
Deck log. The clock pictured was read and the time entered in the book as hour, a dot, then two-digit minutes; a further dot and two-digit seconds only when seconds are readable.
2.59
